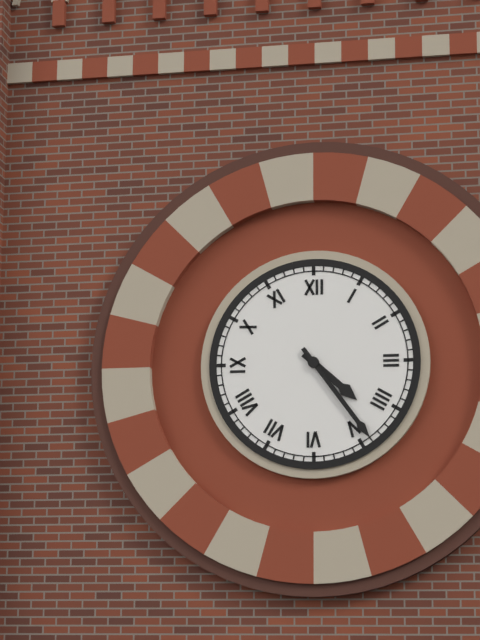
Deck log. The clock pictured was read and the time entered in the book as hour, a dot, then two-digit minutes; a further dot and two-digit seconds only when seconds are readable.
4.24
